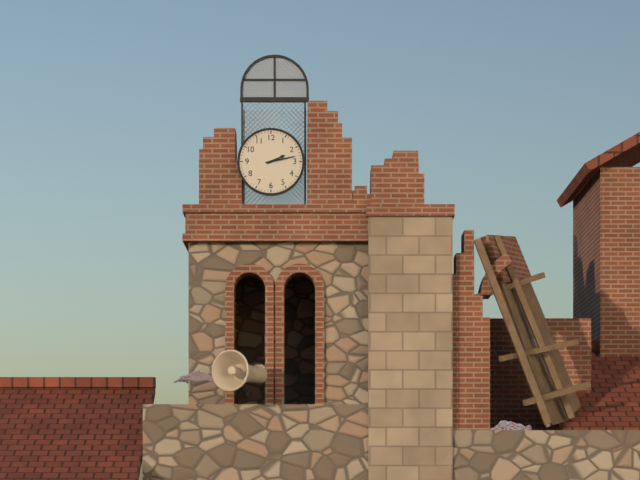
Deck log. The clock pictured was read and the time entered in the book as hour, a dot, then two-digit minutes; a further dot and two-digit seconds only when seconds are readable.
2.13
